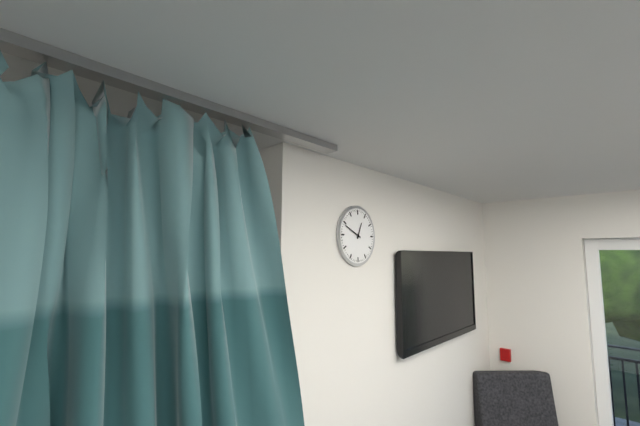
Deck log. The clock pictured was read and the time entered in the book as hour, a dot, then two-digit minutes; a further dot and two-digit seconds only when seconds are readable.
12.49
